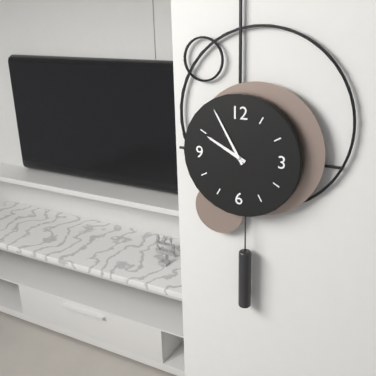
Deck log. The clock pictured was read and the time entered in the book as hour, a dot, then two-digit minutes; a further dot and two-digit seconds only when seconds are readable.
9.55
